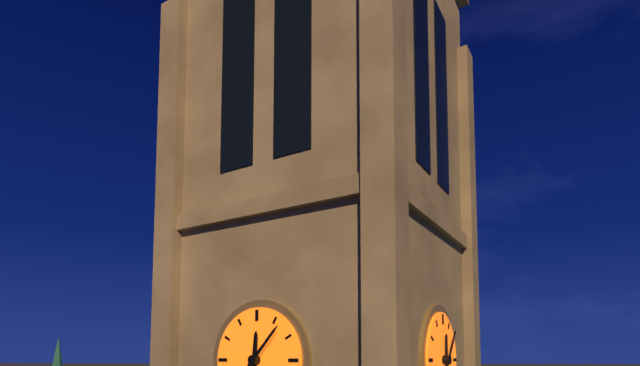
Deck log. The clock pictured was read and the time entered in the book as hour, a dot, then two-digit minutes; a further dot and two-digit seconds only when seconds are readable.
12.07
